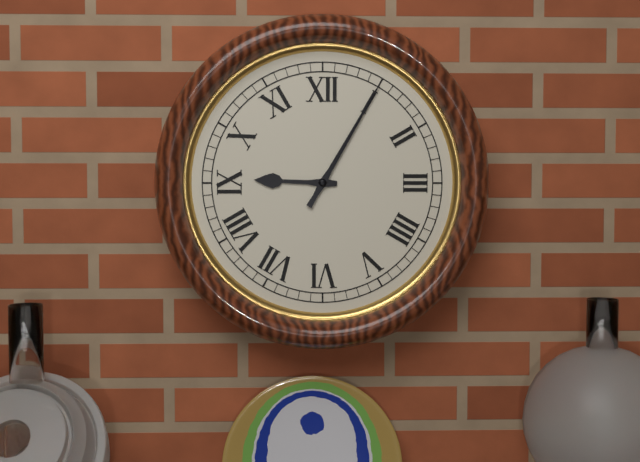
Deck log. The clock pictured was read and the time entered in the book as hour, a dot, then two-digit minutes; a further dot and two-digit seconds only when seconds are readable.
9.05
